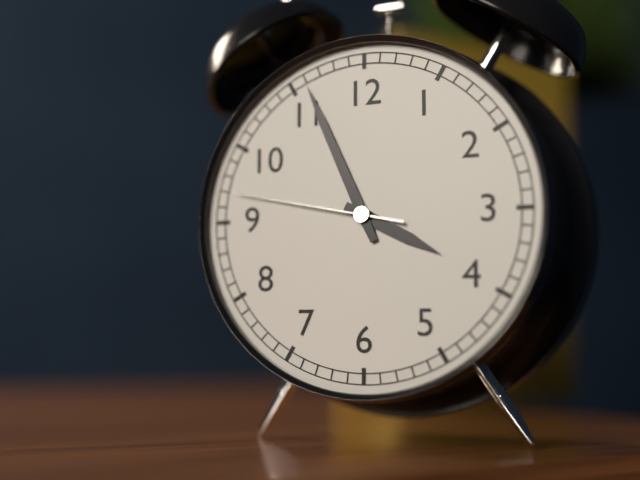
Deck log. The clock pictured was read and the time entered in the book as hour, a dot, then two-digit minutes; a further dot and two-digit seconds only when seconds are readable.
3.56.47
